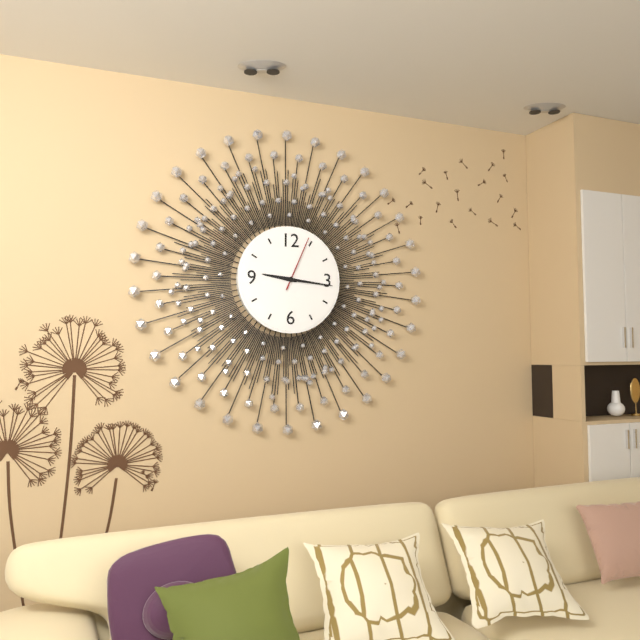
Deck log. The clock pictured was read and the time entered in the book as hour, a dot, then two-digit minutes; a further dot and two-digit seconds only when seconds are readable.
9.16.04
